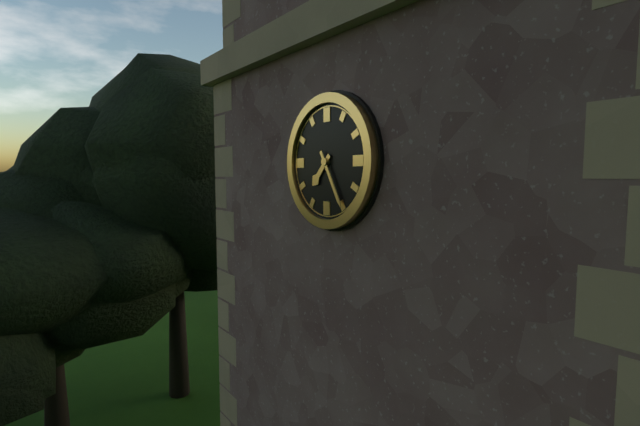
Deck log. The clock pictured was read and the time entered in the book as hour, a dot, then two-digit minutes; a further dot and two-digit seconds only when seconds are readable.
7.25
